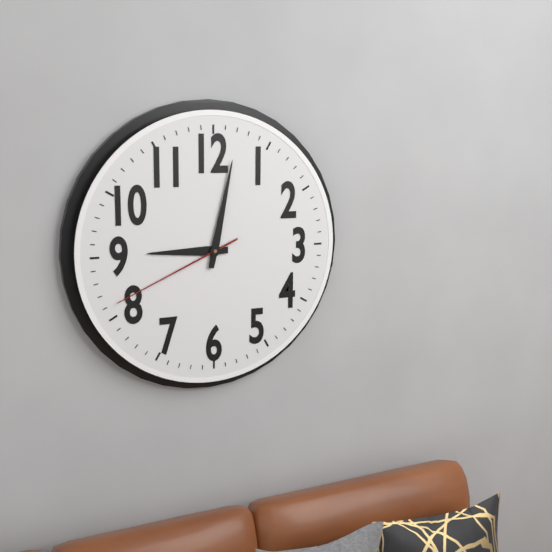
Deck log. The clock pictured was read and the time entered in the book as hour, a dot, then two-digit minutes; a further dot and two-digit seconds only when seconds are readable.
9.02.41
